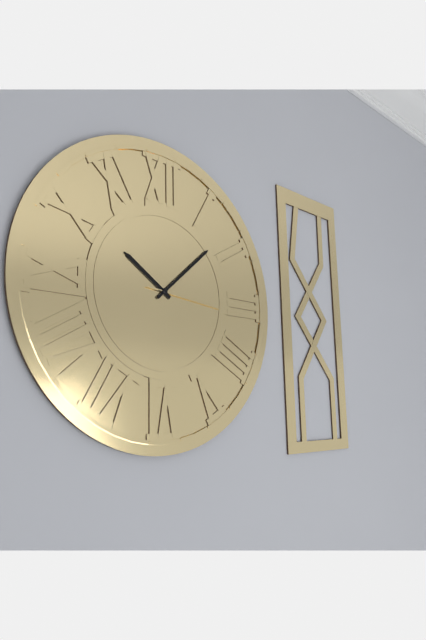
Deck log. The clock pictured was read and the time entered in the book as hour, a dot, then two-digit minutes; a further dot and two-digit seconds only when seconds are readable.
10.08.16
